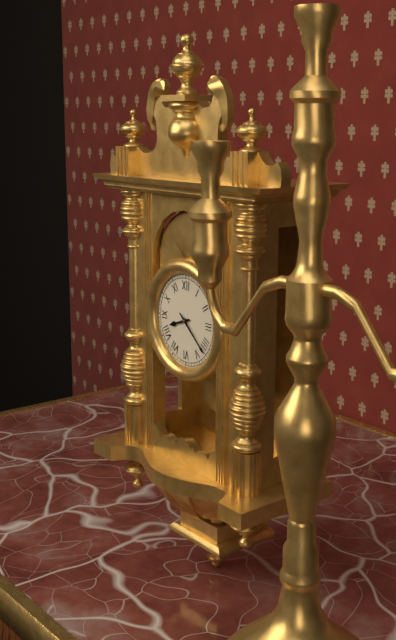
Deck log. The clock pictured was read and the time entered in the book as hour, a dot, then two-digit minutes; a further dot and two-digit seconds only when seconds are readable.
8.22
